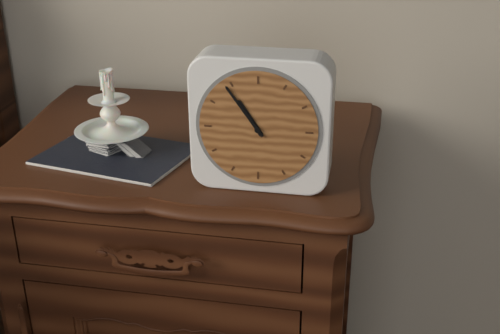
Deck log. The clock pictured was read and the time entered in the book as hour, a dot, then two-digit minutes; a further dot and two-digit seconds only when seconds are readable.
10.54
